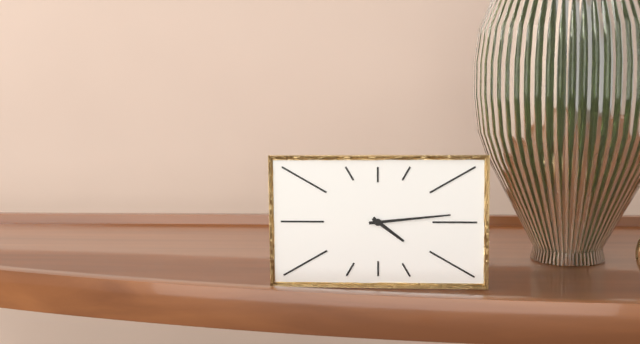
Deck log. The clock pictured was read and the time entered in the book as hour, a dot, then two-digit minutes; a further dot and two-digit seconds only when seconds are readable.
4.14
